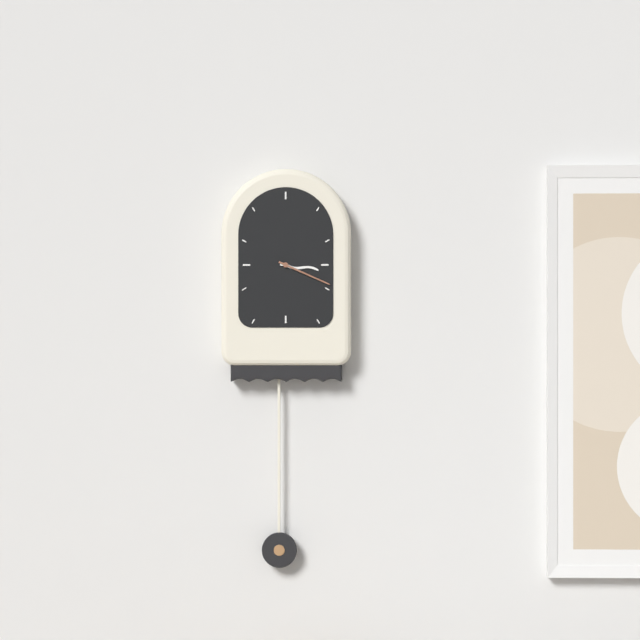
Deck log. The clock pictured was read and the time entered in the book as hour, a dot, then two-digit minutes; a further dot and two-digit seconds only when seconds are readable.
3.19
